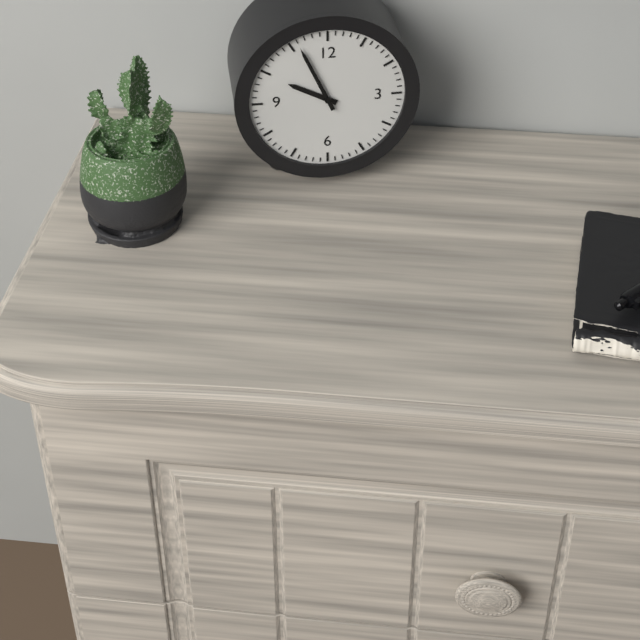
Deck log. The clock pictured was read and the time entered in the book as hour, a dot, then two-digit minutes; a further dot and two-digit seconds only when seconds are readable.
9.56
